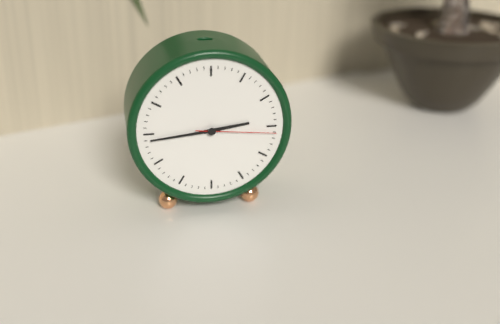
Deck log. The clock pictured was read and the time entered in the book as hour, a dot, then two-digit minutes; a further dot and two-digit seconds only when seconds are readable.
2.44.16
